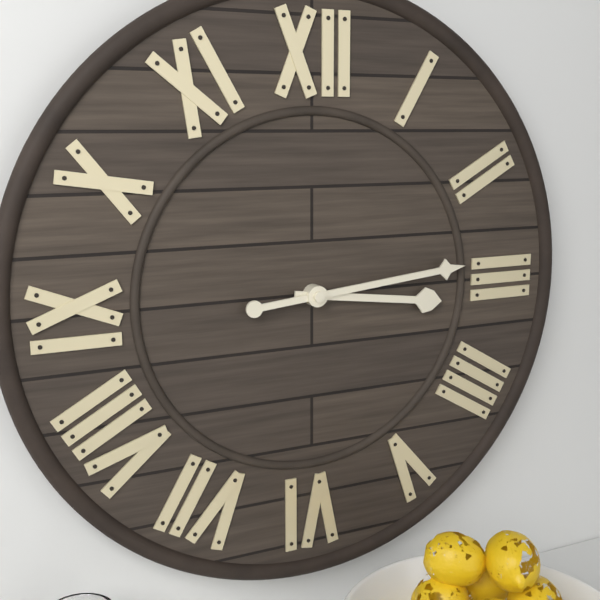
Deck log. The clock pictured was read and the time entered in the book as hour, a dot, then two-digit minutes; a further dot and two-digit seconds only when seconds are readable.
3.14
